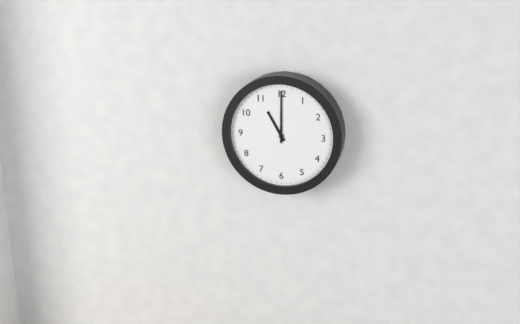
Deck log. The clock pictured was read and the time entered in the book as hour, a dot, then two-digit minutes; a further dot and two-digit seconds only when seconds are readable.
11.00
